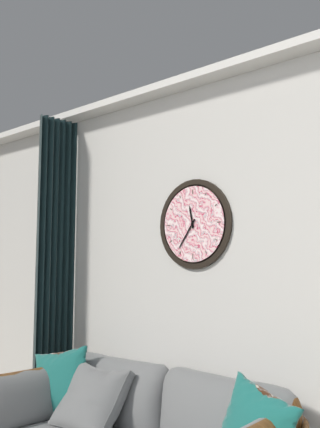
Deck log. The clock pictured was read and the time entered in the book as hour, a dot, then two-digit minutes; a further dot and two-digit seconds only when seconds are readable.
11.36
